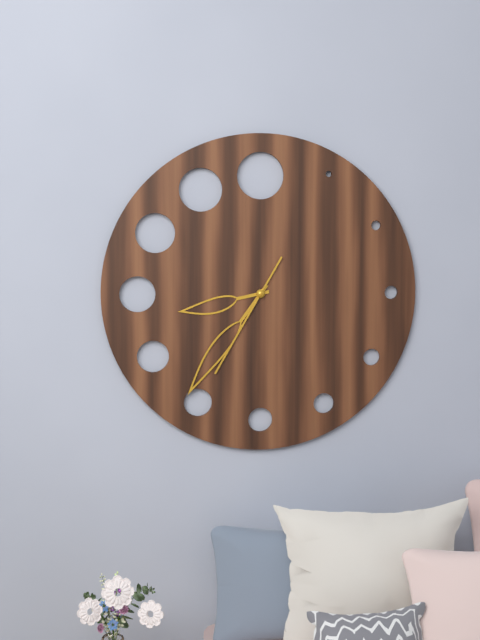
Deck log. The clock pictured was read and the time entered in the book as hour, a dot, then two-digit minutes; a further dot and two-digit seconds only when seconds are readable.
8.36.35
